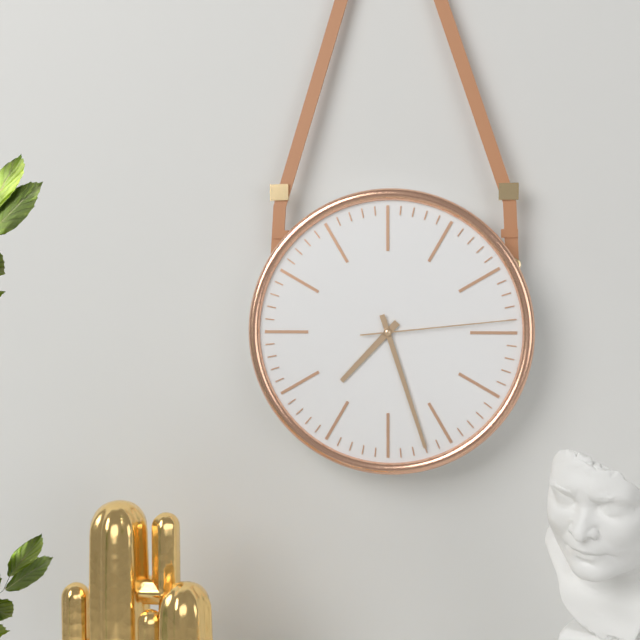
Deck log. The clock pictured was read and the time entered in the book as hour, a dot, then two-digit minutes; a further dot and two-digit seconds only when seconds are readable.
7.27.14
